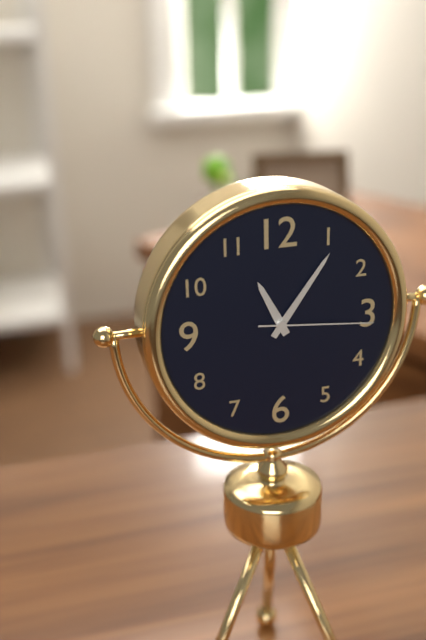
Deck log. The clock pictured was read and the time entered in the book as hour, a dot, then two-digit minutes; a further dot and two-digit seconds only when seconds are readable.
11.06.16
